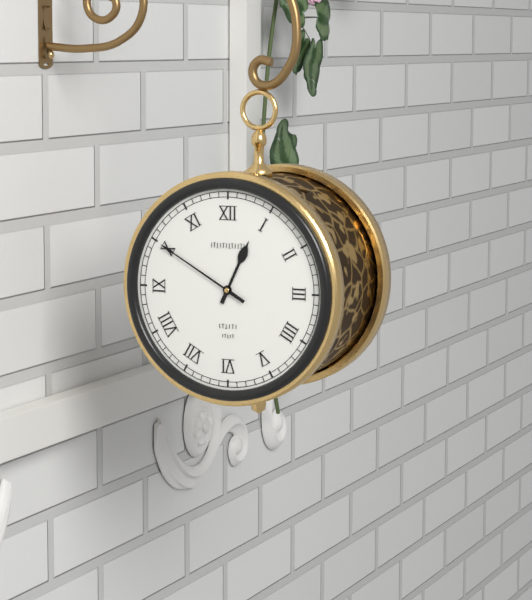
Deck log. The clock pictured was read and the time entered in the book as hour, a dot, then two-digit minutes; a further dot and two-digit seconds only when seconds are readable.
12.50
